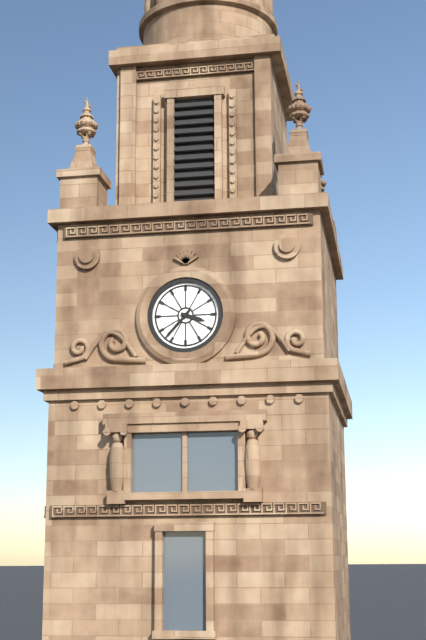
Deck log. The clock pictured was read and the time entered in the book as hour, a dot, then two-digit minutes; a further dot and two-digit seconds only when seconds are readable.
3.37
